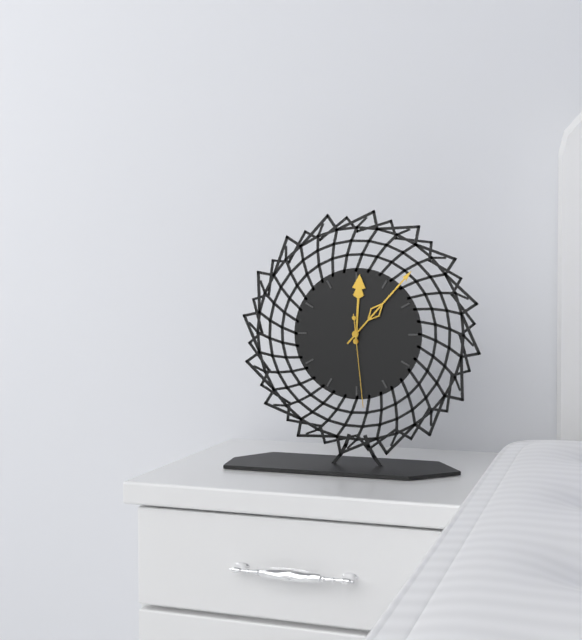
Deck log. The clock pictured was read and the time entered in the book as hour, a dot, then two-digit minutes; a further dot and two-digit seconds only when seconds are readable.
12.07.29
